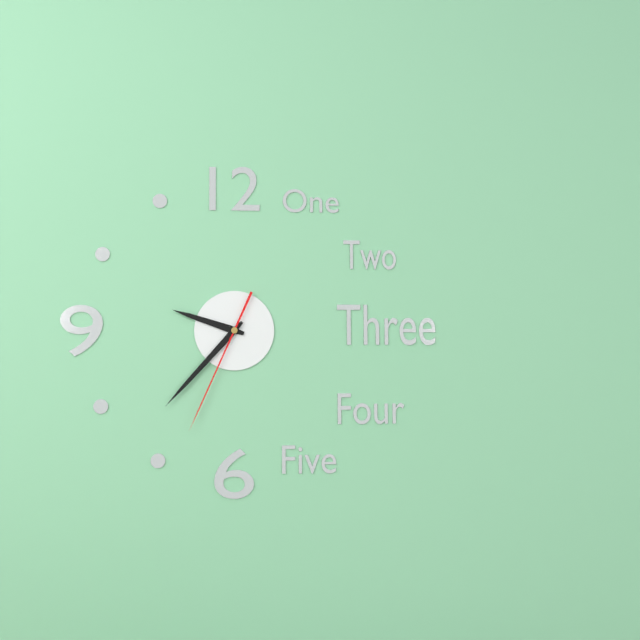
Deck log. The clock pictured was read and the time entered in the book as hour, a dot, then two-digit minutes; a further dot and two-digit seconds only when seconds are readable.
9.37.34
